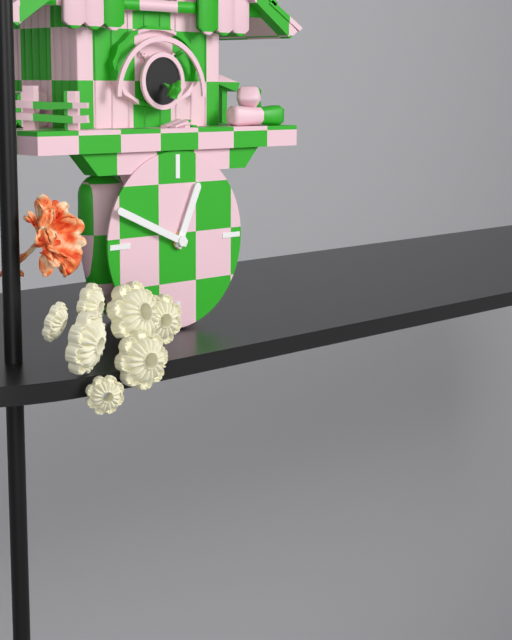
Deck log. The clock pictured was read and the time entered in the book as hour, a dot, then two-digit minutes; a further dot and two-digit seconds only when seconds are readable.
12.49
